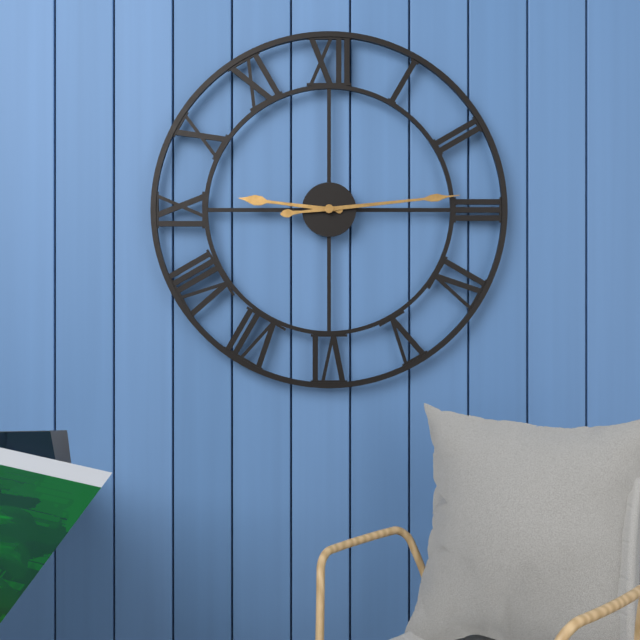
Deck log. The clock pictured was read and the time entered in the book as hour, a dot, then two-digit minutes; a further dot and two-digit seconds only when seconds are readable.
9.14
